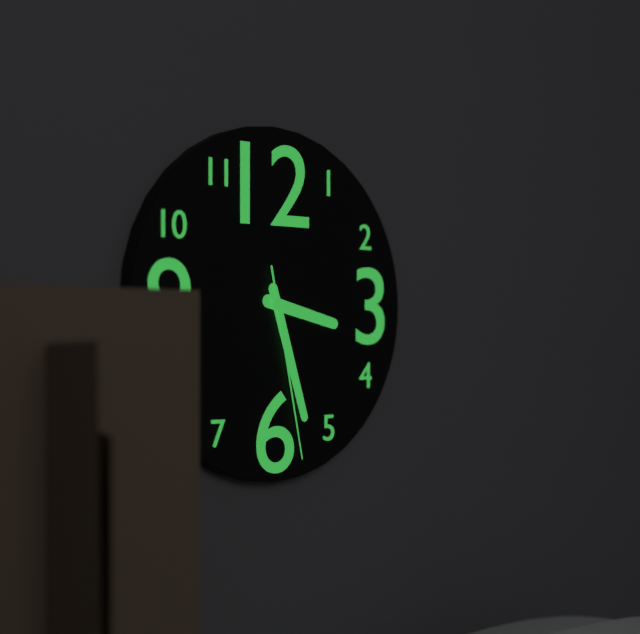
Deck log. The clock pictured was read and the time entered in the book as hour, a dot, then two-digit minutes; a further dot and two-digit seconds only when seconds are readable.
3.27.28
